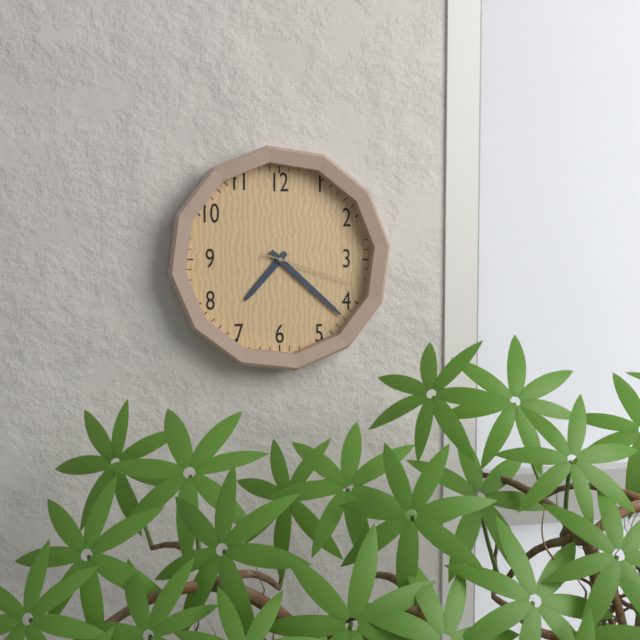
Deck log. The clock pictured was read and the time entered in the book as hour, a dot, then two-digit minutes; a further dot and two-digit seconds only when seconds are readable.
7.22.18
